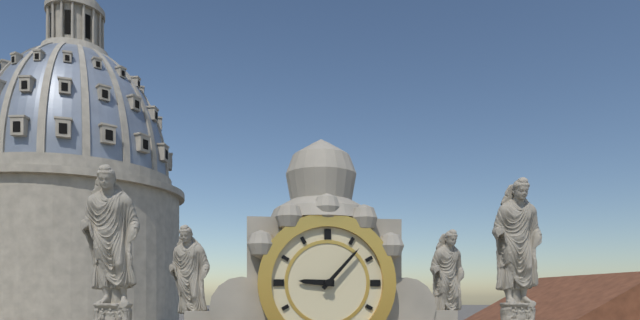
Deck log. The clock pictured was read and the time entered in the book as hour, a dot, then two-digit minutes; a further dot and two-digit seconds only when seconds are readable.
9.07
